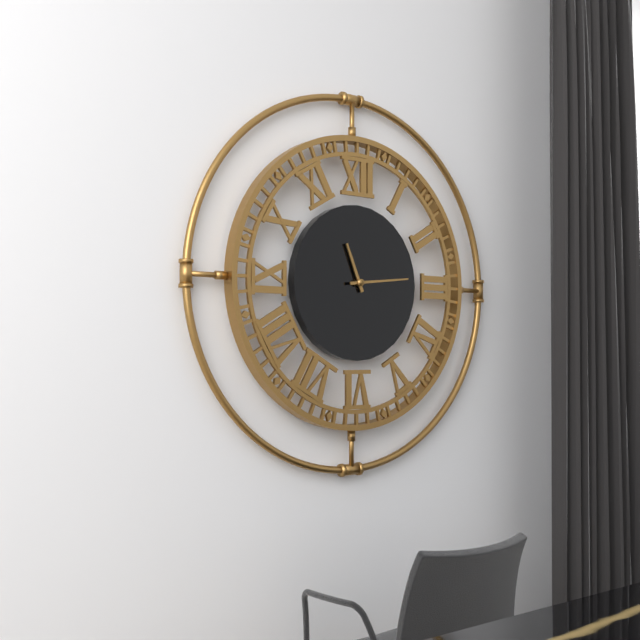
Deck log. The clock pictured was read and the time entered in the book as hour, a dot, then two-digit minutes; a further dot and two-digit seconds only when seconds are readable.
11.14
